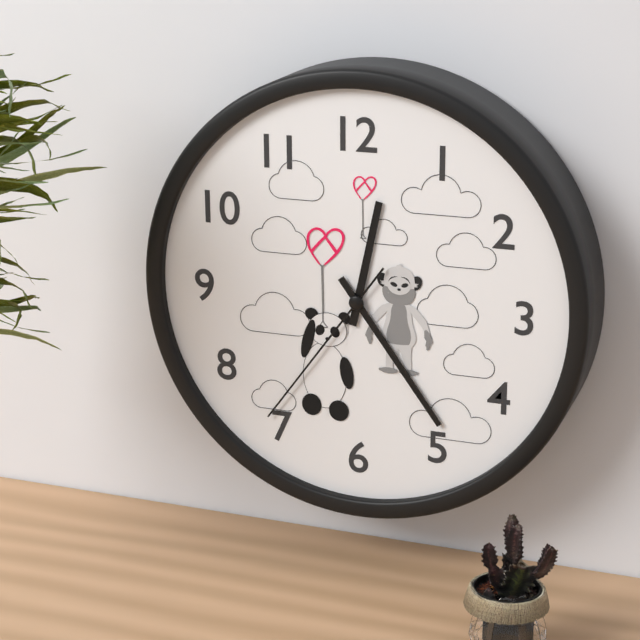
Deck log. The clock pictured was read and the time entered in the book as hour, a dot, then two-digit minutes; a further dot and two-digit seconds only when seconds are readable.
12.24.36
